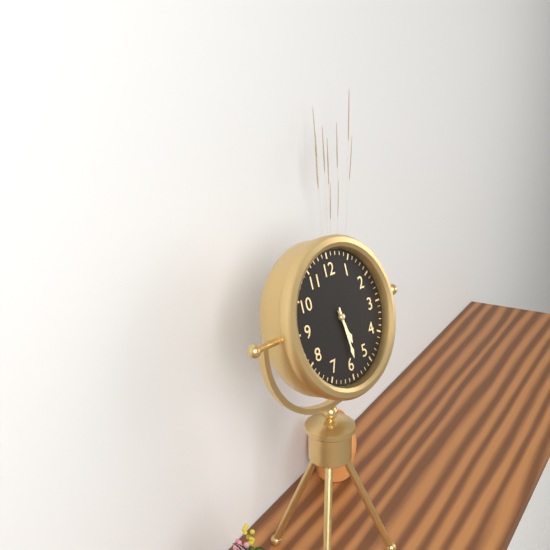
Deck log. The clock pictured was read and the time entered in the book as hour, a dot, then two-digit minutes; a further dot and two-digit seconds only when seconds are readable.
5.29
